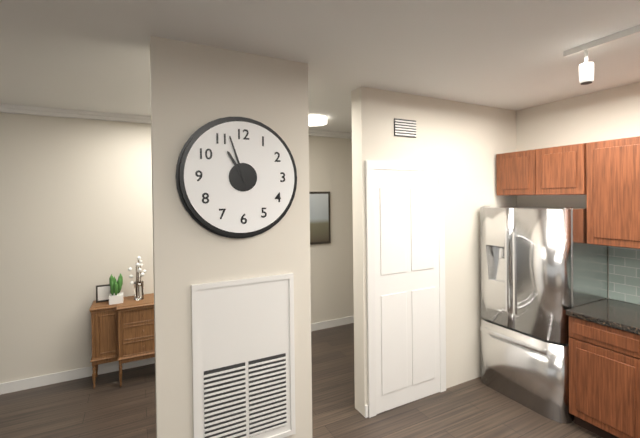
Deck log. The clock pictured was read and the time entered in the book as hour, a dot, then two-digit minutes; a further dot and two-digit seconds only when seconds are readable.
10.57
